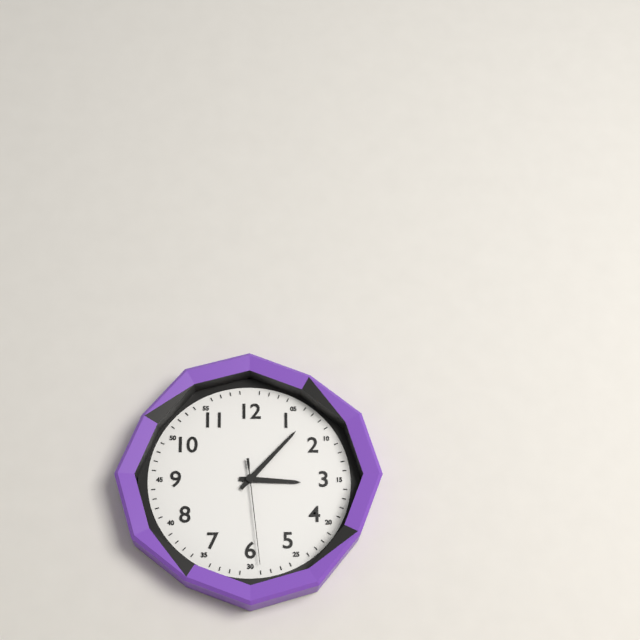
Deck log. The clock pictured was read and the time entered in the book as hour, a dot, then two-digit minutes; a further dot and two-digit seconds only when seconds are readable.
3.07.29
